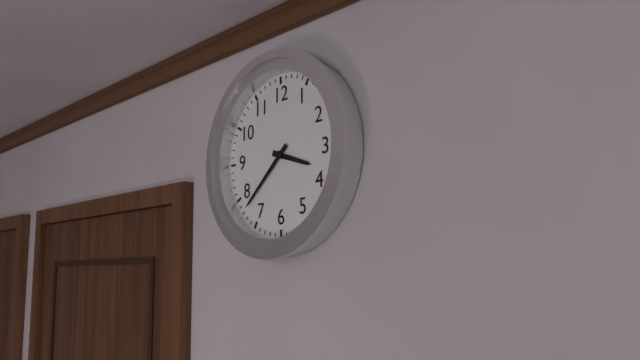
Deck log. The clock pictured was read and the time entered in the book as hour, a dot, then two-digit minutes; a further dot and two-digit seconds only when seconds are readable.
3.38
